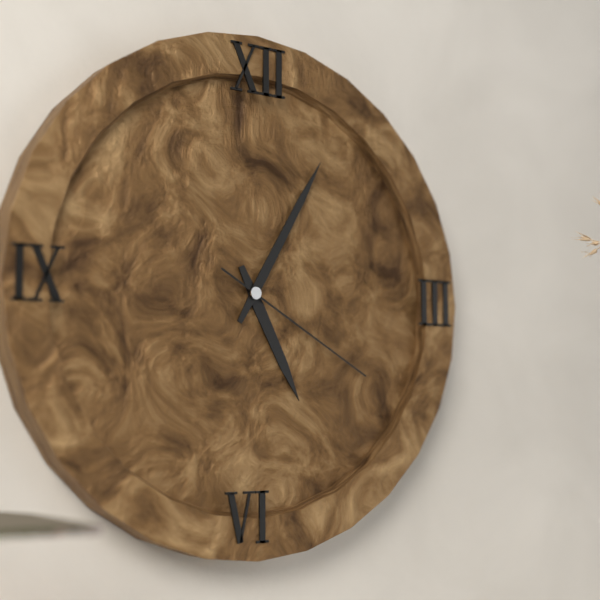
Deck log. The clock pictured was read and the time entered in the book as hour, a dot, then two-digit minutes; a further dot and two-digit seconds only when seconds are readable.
5.05.20
